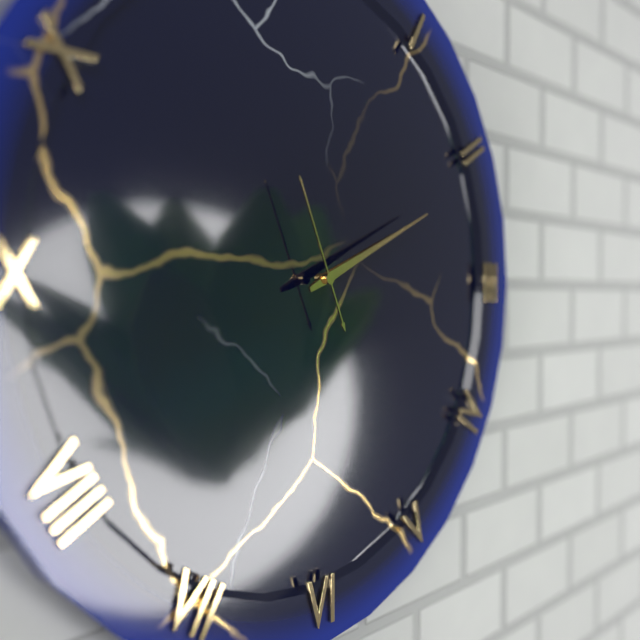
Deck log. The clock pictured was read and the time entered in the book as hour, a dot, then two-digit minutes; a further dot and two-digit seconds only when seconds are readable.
2.11.56
